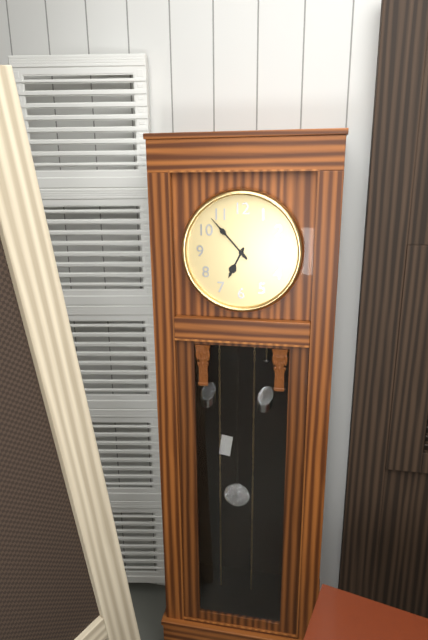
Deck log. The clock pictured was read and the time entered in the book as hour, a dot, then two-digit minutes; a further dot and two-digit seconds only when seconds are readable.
6.53
